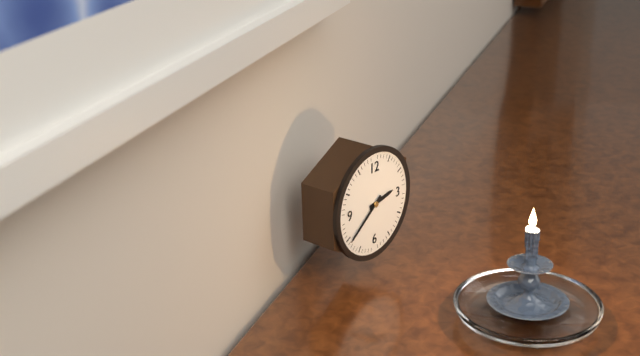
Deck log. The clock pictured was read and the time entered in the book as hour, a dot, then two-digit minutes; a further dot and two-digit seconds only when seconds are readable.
2.39
